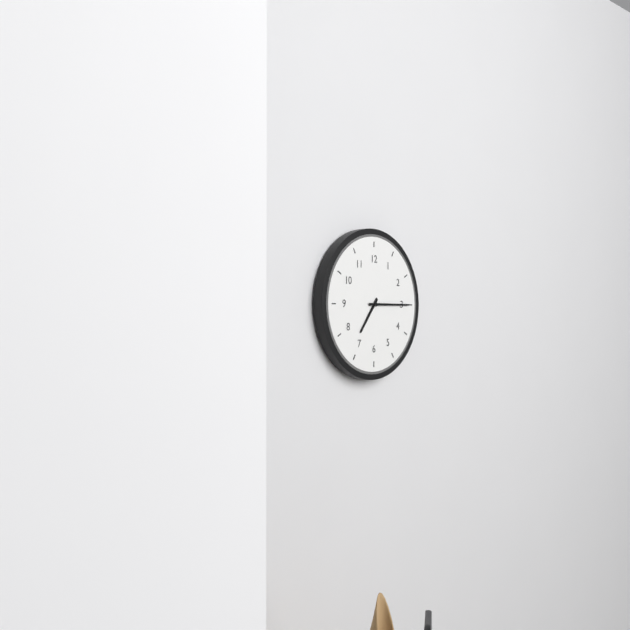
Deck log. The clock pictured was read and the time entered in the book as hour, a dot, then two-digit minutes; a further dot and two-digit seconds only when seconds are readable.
7.15
